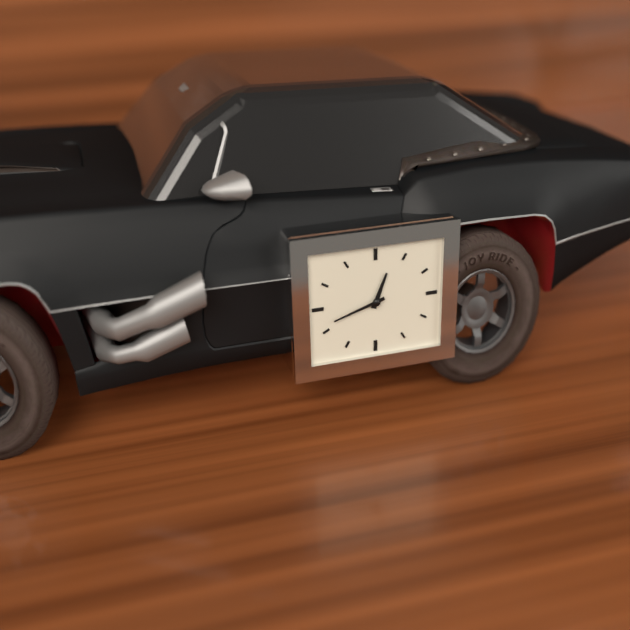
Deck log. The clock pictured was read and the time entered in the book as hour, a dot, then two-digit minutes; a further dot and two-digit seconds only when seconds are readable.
12.42
